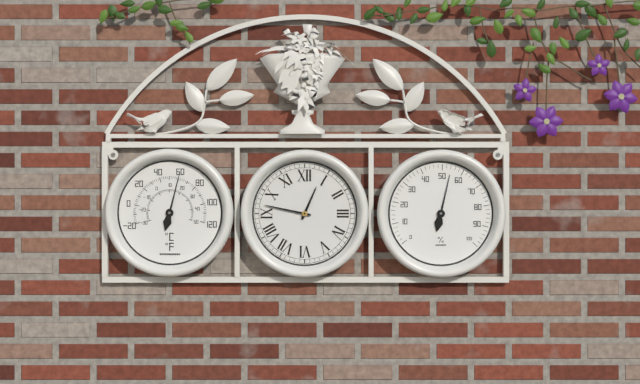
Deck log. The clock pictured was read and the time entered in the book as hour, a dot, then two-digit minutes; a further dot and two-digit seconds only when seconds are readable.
12.47
